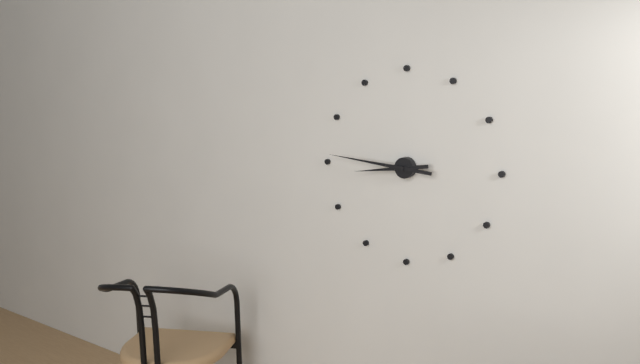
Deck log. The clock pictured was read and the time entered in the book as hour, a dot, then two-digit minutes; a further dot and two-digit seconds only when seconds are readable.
8.46
